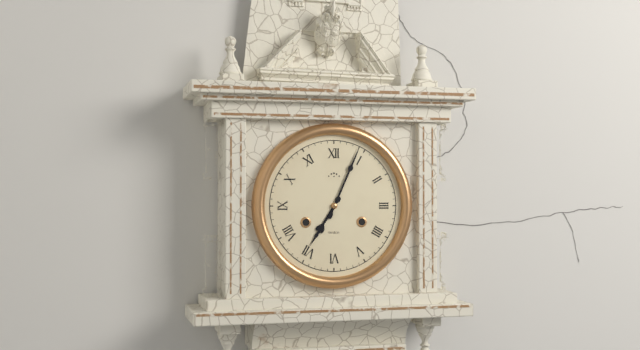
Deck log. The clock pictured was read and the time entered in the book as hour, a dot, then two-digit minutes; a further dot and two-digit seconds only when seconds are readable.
7.04
